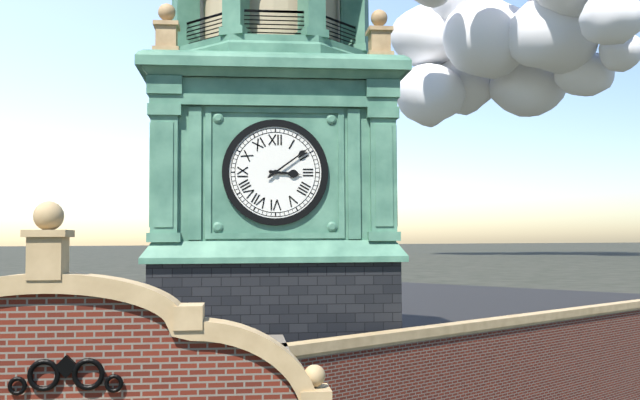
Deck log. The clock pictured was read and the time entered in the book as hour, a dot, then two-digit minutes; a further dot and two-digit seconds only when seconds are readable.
3.09
